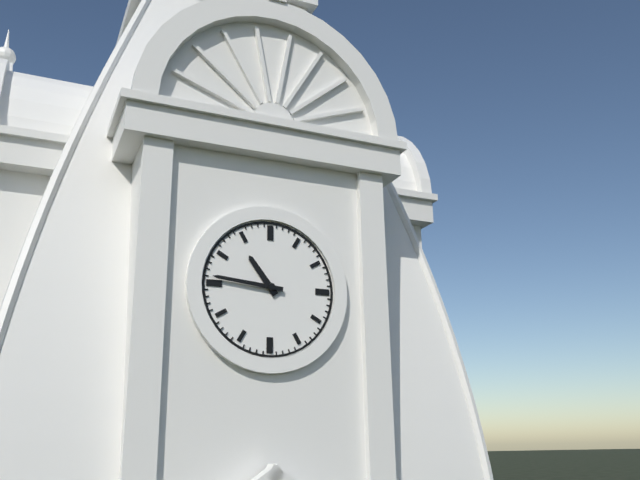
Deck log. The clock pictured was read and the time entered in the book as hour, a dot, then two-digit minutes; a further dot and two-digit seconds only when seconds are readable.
10.46
